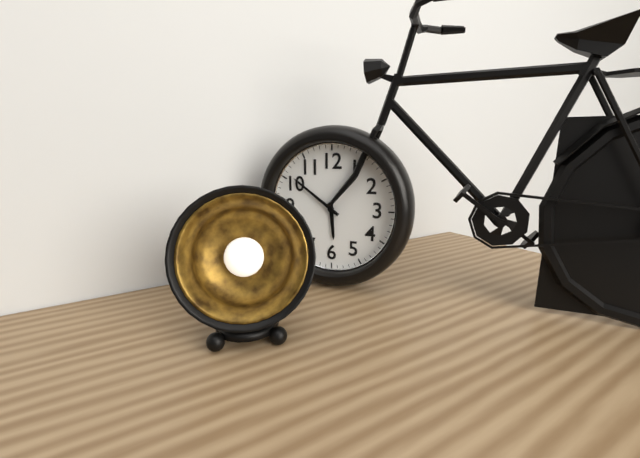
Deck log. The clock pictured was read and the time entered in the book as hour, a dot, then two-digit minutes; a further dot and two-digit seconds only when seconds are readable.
5.51
